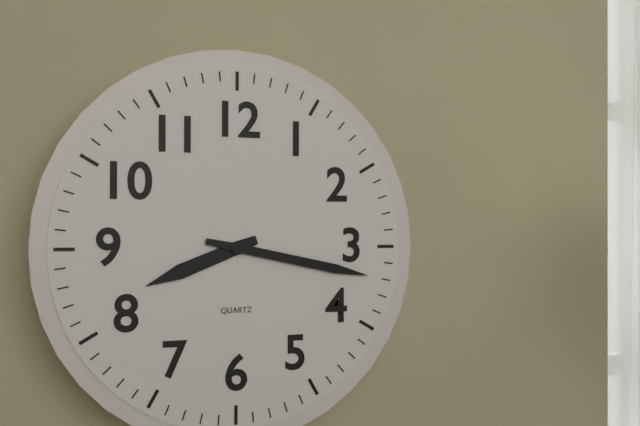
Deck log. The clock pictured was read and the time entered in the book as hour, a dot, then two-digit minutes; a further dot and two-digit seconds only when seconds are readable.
8.17
